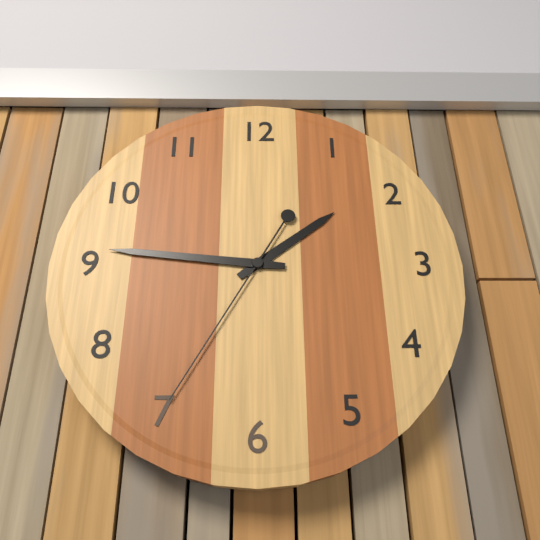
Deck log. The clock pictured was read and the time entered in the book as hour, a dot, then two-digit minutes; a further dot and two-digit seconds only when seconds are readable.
1.46.35
